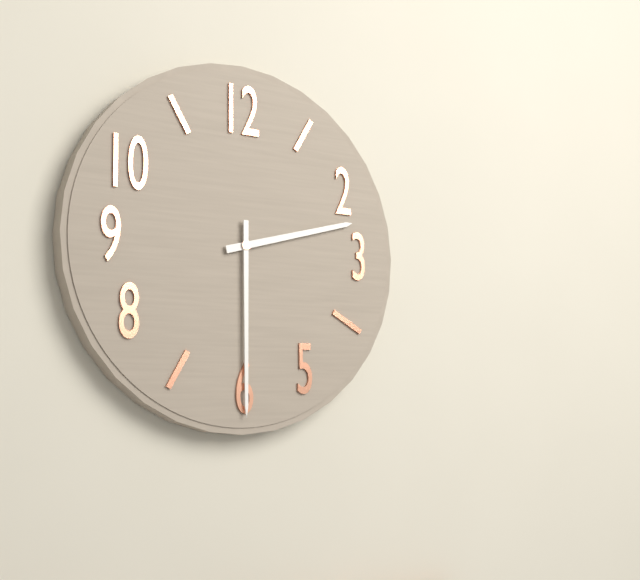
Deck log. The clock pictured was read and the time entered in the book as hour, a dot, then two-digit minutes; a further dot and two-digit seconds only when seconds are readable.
2.30
